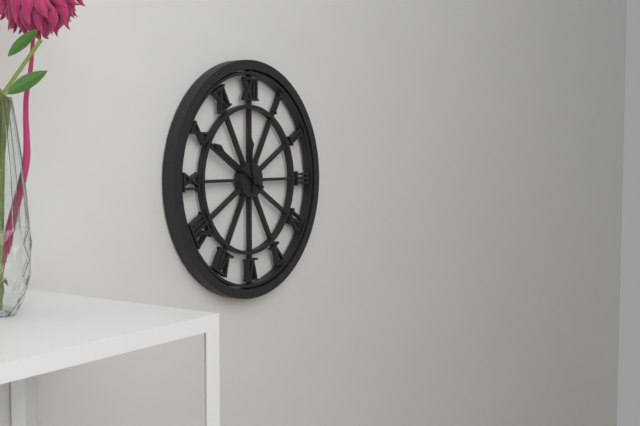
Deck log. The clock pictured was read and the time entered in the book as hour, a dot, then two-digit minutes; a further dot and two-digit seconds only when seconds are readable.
11.50
